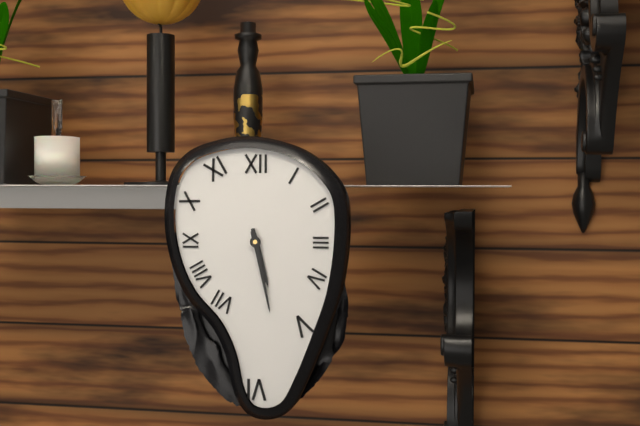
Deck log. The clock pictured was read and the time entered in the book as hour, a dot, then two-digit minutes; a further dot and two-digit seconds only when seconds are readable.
5.28
